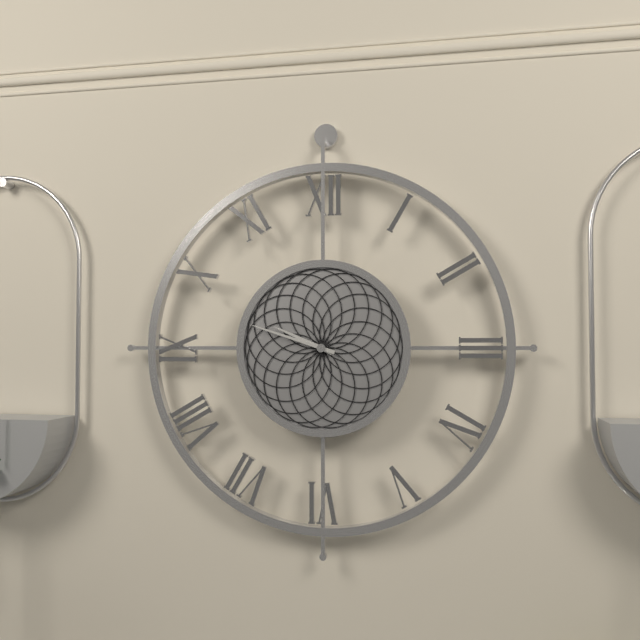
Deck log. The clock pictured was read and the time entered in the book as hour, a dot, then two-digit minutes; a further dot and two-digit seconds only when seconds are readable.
9.48
